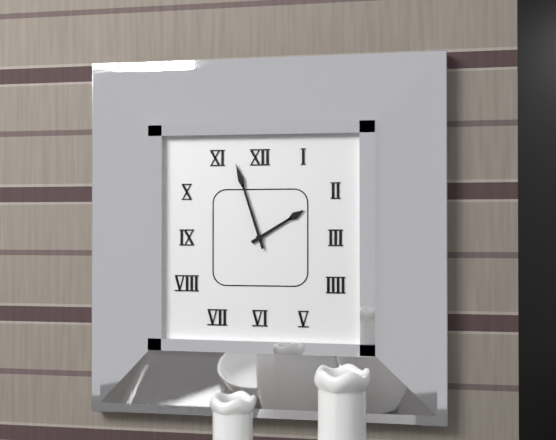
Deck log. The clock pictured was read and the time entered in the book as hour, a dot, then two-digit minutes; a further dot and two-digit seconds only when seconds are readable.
1.57
